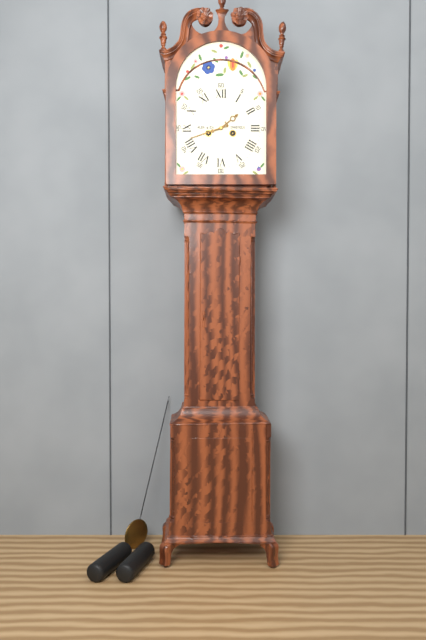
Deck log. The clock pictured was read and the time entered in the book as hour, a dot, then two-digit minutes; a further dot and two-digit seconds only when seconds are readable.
1.42
